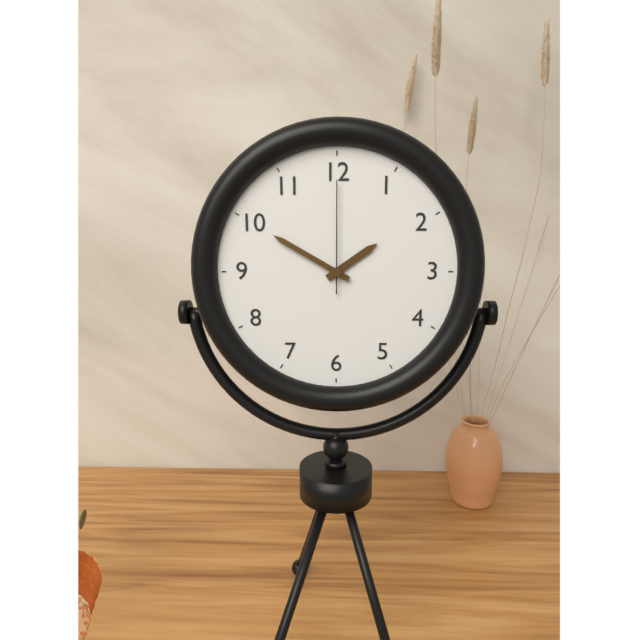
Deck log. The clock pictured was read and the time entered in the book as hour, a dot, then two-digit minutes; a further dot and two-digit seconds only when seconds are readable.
1.50.00
